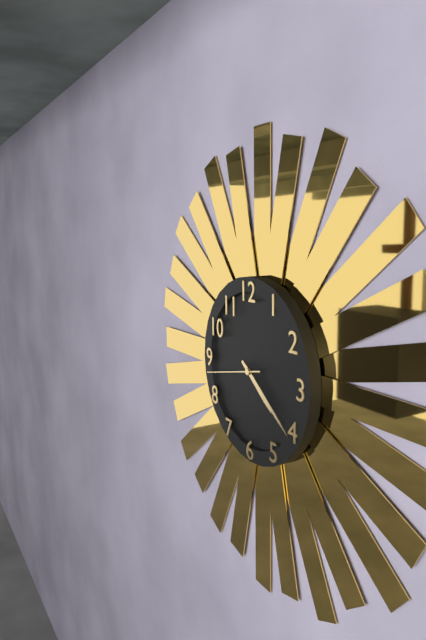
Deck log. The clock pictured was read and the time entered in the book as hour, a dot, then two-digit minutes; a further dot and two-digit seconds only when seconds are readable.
4.21.43
